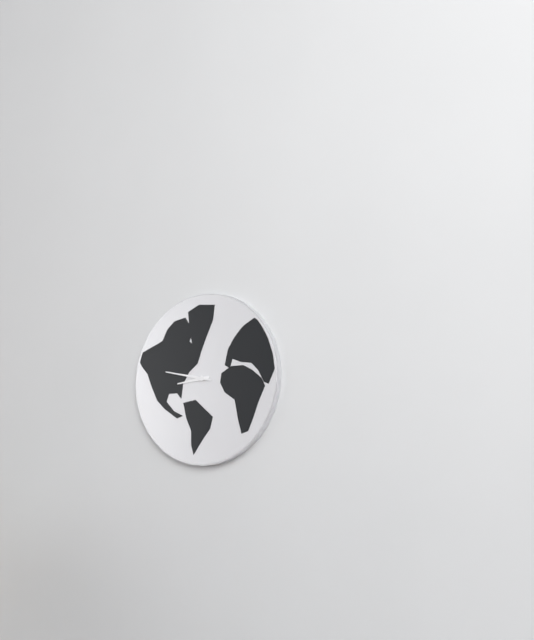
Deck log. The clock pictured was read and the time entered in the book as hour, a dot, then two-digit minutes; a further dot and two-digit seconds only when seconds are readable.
8.47
